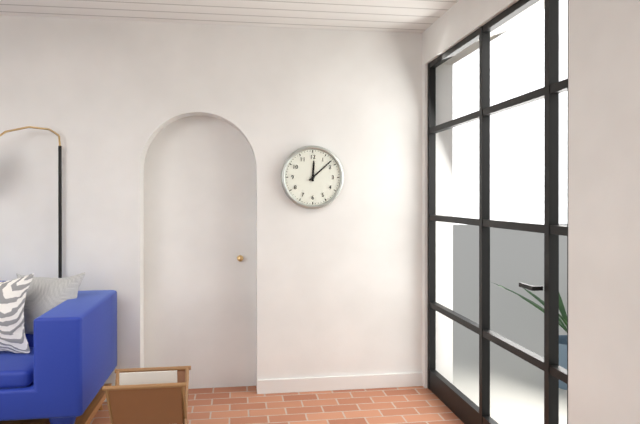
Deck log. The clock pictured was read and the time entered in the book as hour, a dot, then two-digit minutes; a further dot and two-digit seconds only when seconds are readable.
12.08
